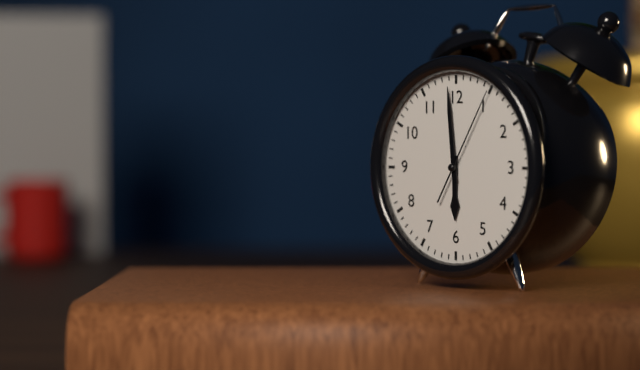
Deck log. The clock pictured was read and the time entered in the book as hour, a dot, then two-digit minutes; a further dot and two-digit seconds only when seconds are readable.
5.59.05
